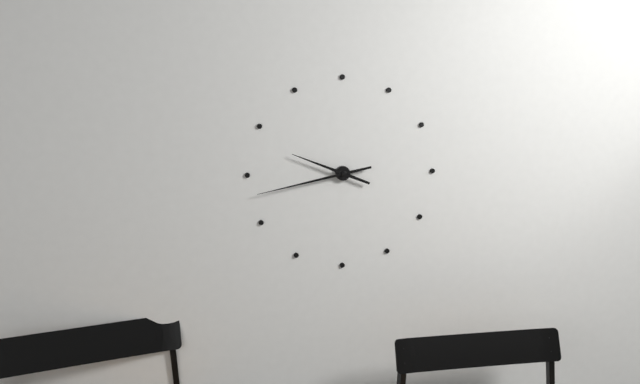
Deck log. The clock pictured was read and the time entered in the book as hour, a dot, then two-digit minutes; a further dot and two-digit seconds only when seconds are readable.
9.43
